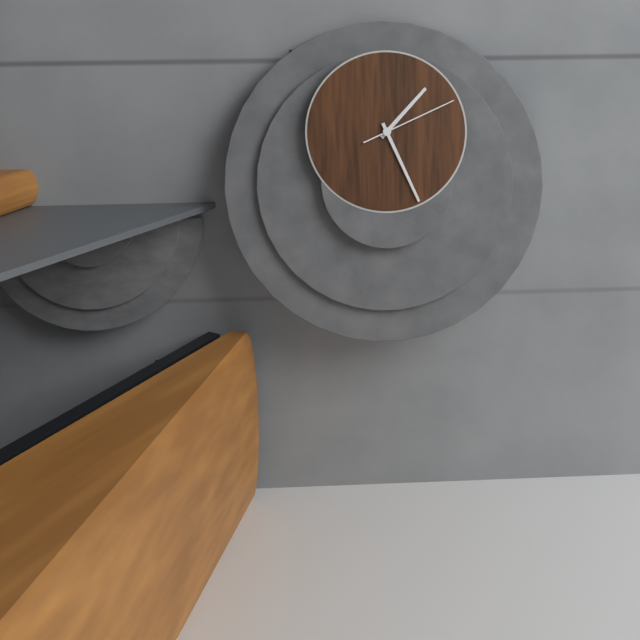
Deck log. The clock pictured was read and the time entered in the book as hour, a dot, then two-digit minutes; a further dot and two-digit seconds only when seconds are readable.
1.26.11
